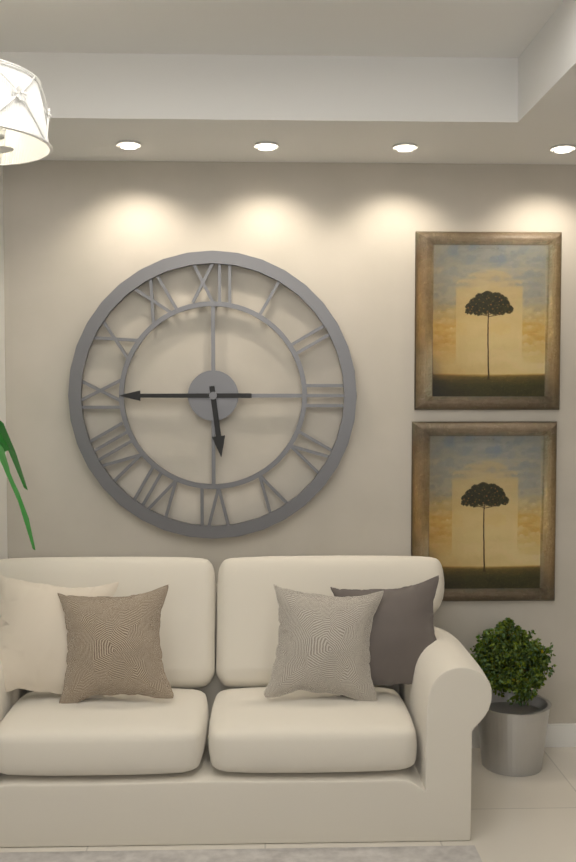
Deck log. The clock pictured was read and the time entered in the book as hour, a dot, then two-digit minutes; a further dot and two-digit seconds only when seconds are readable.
5.45
